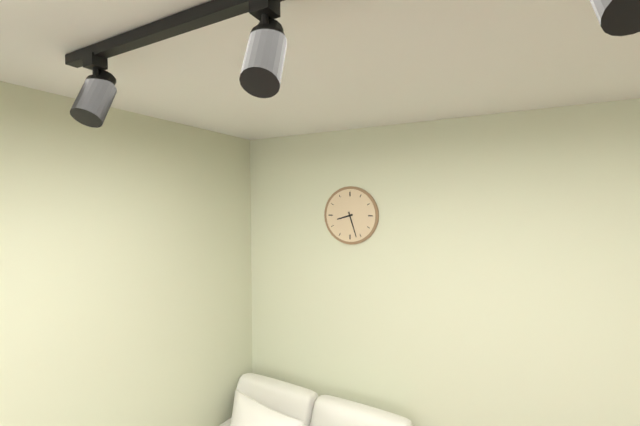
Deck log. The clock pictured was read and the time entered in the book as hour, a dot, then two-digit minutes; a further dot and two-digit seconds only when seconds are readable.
8.27
